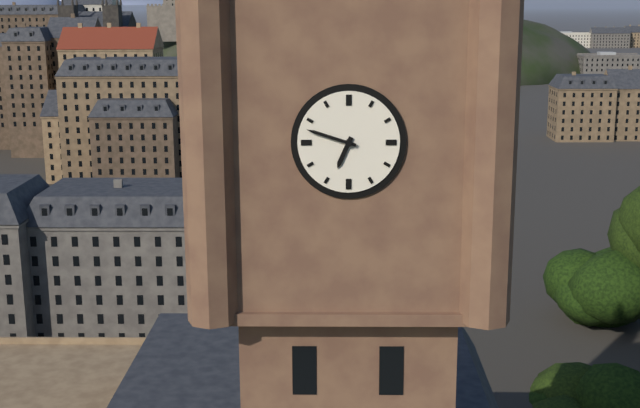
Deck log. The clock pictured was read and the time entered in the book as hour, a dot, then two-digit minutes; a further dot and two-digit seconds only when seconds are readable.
6.48
